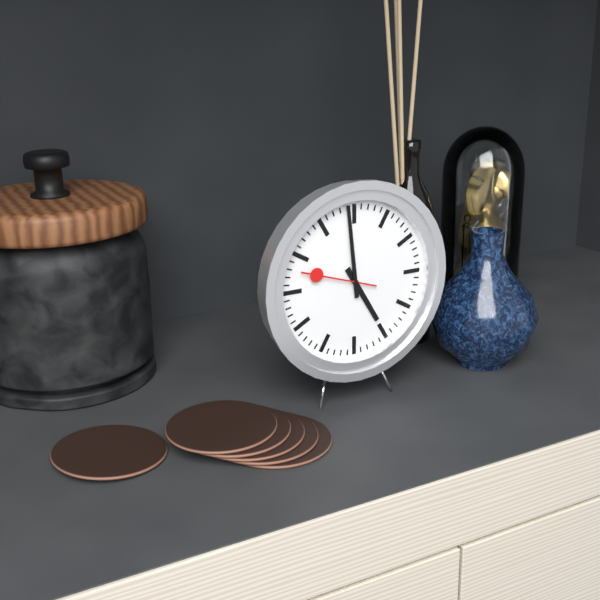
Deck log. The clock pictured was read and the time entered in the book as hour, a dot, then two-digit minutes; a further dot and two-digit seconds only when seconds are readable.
4.59.48
